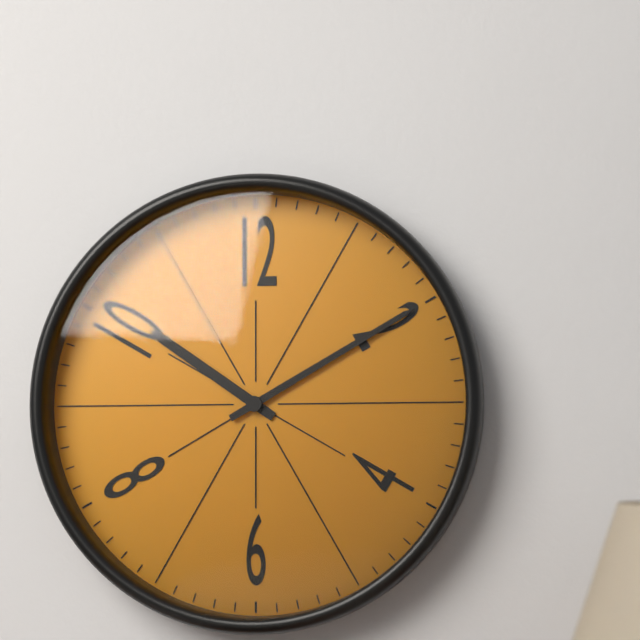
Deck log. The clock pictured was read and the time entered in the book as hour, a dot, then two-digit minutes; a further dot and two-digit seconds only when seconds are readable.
10.10
